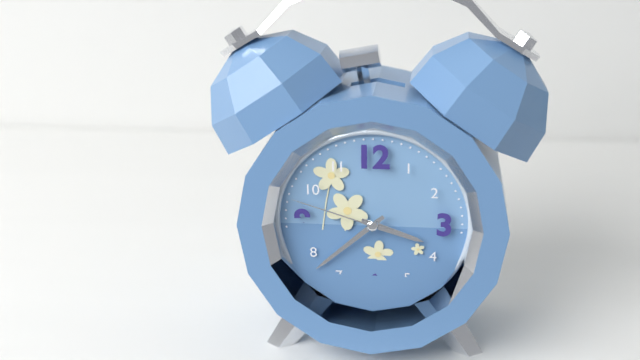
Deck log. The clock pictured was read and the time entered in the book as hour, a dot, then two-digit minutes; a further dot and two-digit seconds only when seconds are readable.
3.38.48
